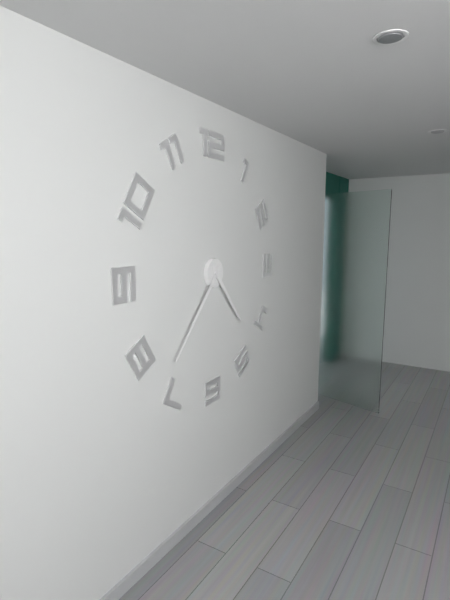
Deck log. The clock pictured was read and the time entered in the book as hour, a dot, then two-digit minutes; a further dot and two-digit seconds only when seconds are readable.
4.37
